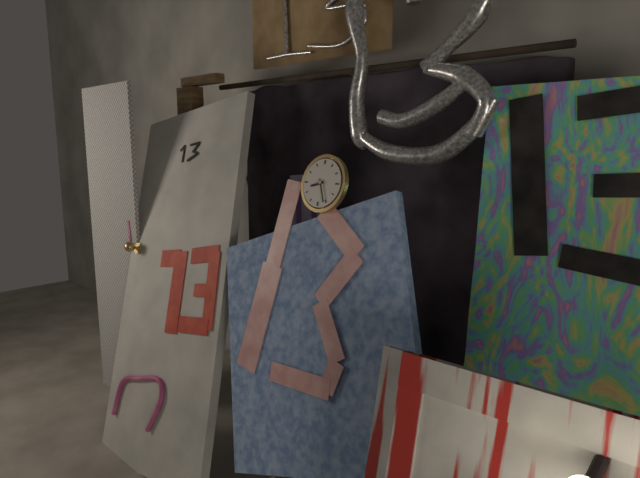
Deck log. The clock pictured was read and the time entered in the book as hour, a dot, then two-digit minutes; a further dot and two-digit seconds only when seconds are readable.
8.26
